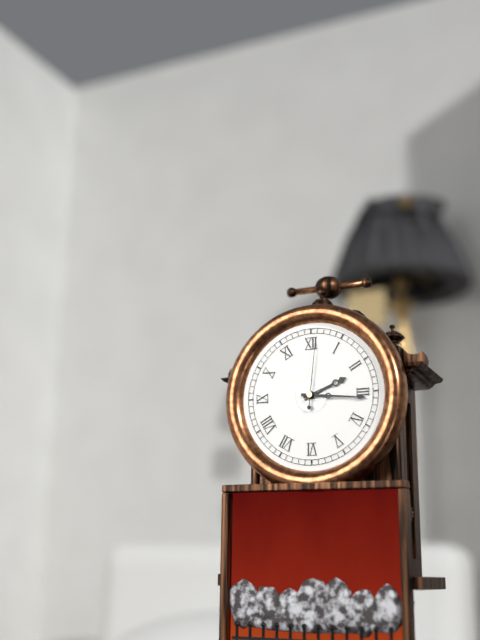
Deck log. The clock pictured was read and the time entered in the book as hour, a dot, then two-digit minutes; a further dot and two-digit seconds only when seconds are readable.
2.16.01
